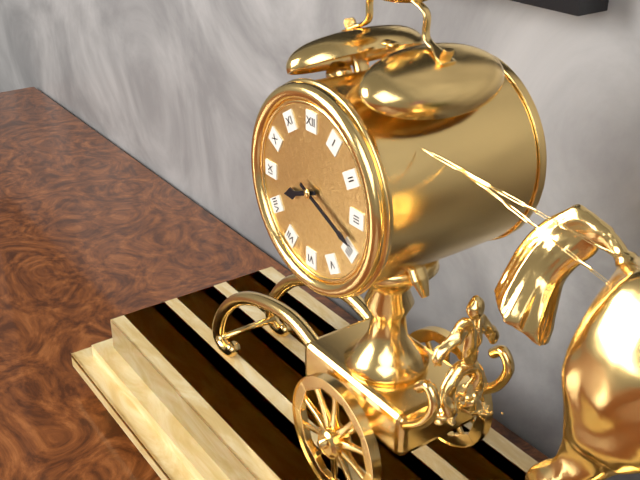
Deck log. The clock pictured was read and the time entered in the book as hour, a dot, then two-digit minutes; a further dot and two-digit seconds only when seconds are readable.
8.19
